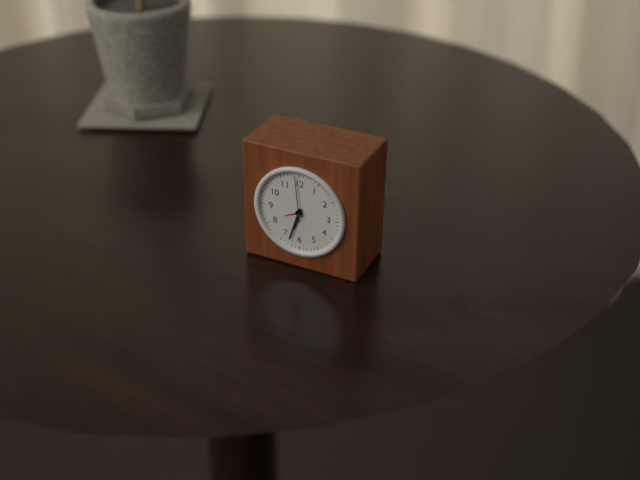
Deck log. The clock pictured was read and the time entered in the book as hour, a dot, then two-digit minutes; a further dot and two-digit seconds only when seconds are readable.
6.33
